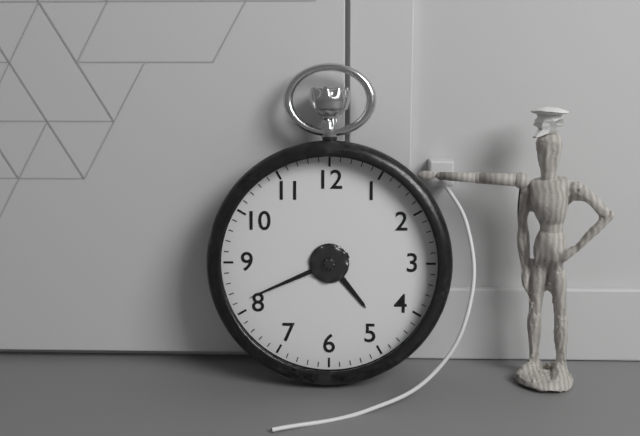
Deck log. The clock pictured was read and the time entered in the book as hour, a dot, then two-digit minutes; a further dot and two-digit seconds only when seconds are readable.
4.41
